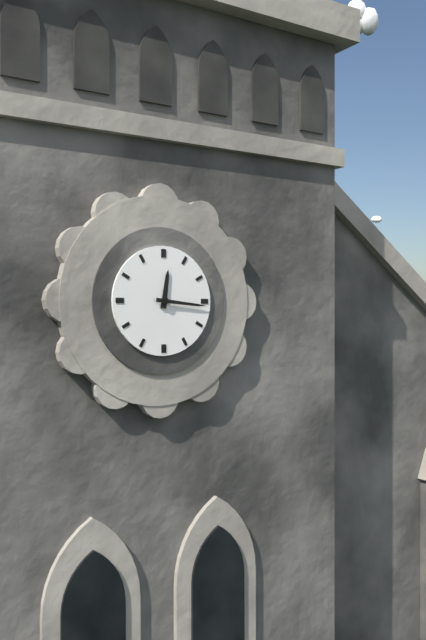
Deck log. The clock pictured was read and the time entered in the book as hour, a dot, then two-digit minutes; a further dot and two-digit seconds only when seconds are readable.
12.16
